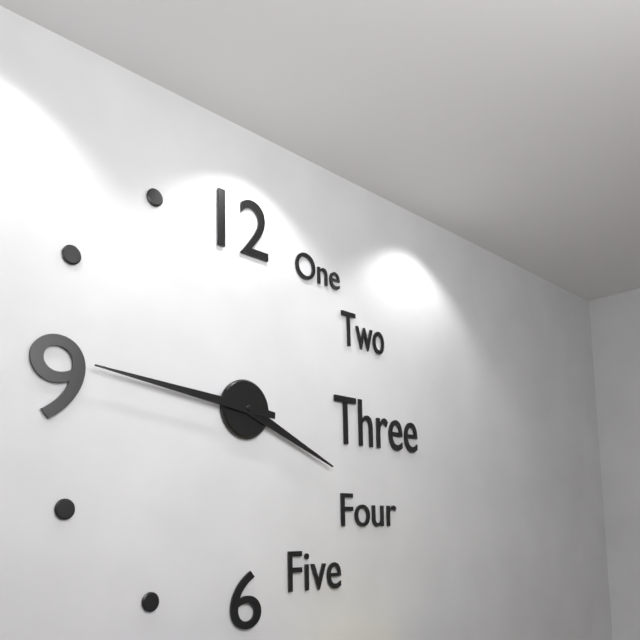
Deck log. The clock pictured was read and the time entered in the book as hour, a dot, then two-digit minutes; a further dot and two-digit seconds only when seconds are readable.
3.46
